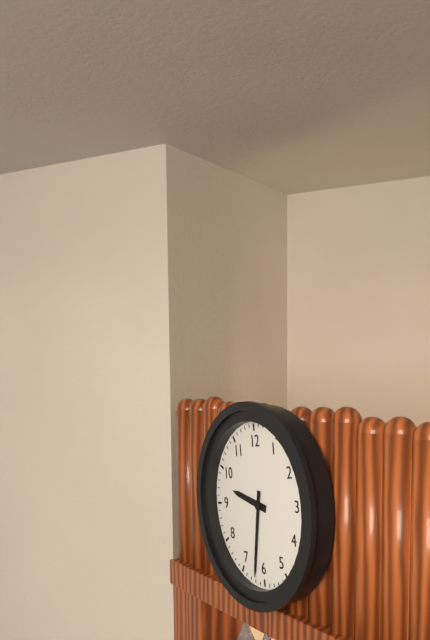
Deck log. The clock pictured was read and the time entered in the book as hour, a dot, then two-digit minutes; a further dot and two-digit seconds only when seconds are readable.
9.32
